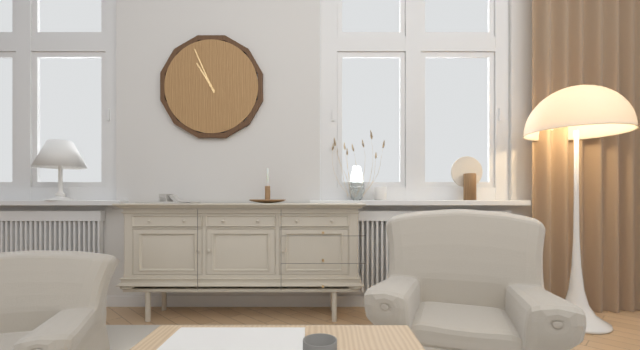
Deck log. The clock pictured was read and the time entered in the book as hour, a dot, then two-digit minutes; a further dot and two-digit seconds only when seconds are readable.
10.56
